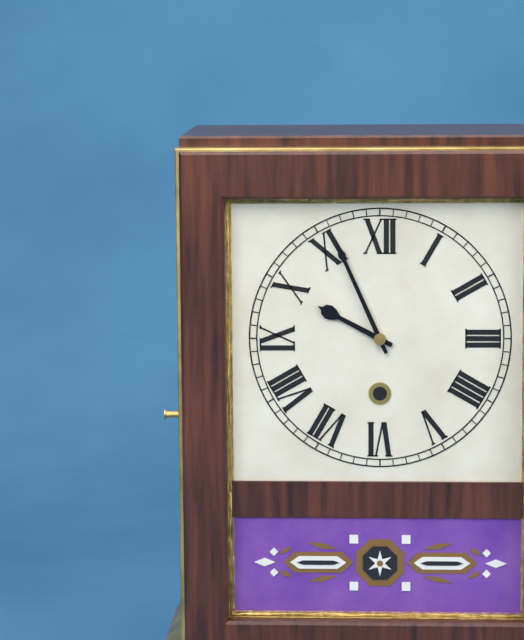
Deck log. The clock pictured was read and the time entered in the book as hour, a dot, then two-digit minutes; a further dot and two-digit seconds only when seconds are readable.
9.56
